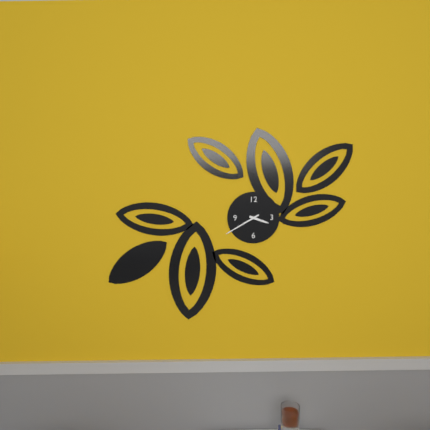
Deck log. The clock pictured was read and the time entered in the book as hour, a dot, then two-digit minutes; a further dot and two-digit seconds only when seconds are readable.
3.40
